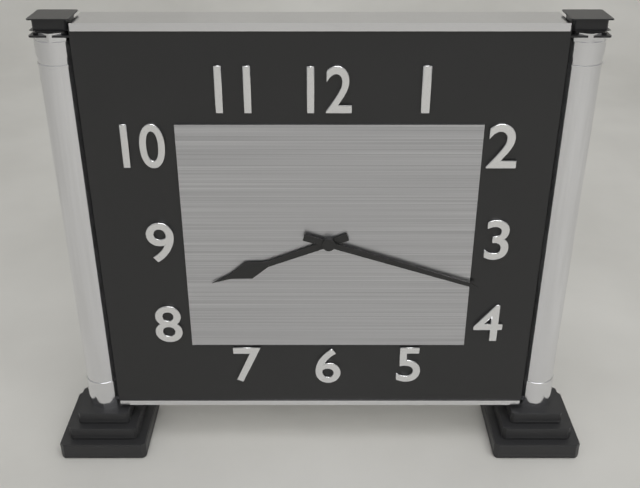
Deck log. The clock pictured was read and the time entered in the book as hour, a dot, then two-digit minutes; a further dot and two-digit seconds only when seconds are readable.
8.18
